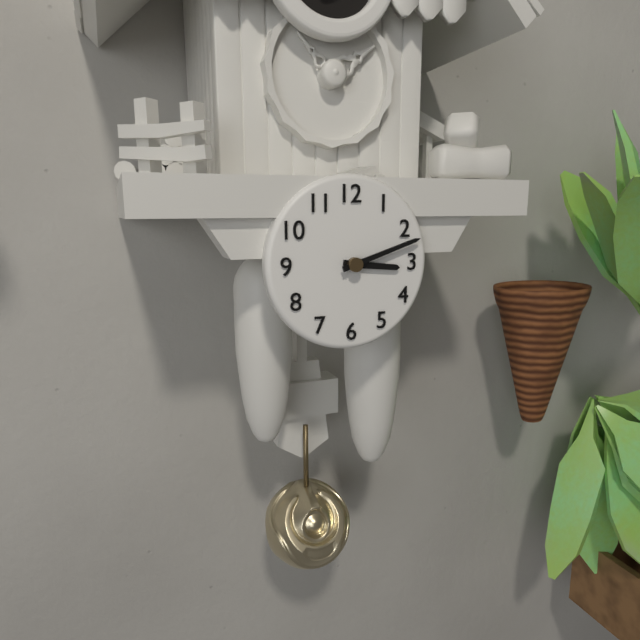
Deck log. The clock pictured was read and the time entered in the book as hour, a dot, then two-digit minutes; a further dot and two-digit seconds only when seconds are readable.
3.12
